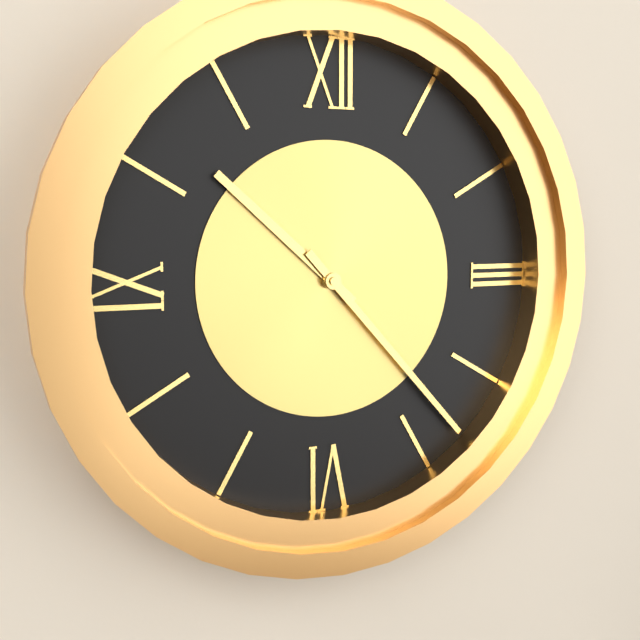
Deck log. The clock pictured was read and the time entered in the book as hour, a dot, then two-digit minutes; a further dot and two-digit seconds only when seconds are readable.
10.23
